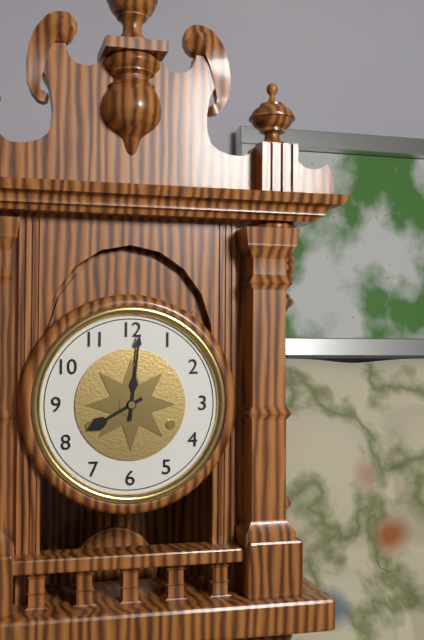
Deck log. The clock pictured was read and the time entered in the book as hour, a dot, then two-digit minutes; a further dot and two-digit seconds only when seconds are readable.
8.01
